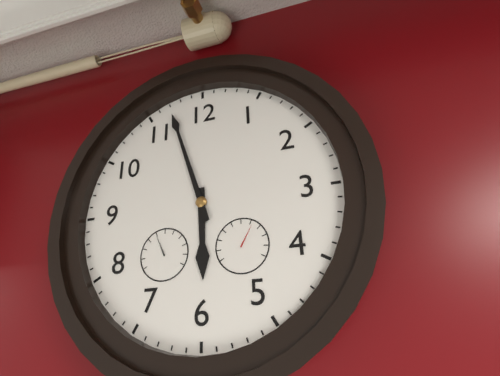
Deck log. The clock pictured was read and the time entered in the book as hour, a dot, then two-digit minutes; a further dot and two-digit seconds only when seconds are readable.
5.57
